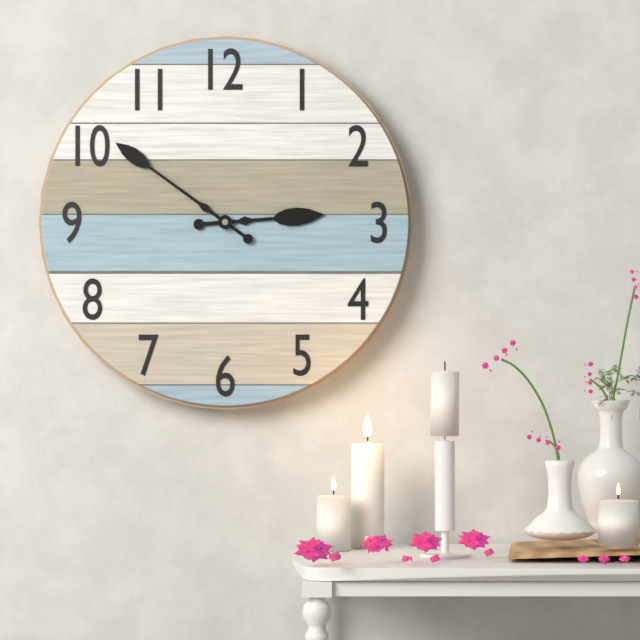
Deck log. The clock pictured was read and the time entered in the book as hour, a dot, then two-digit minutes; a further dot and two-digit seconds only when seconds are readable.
2.51
